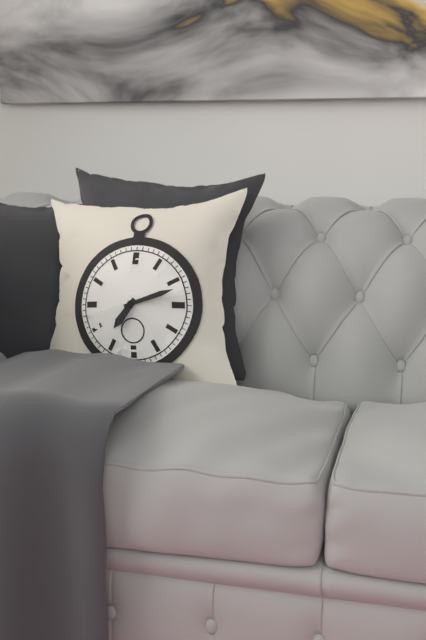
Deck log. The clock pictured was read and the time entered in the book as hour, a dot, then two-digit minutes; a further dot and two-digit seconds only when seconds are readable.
7.12
